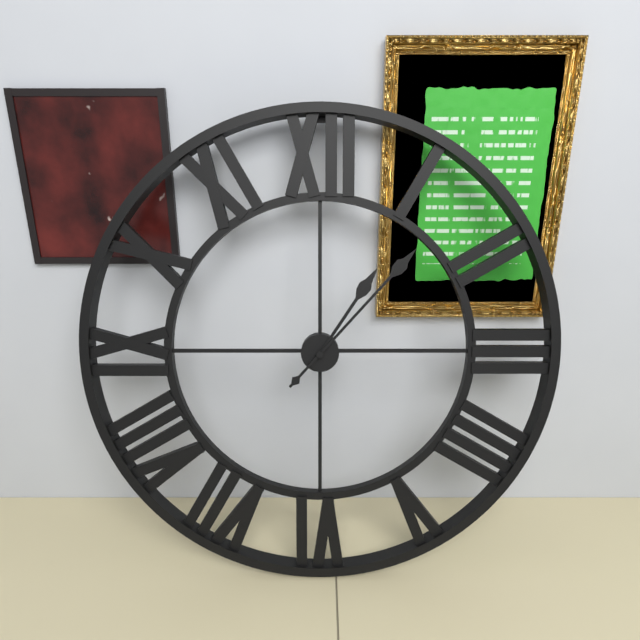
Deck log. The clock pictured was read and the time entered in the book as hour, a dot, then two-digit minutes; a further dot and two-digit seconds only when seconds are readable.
1.07
